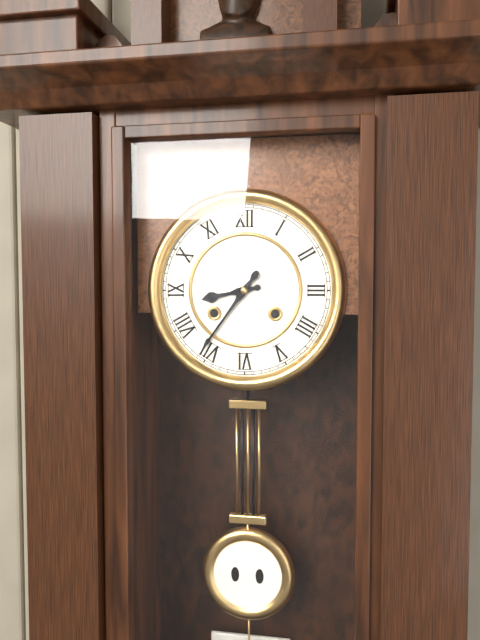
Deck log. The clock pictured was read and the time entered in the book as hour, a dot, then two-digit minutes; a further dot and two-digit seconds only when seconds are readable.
8.36
